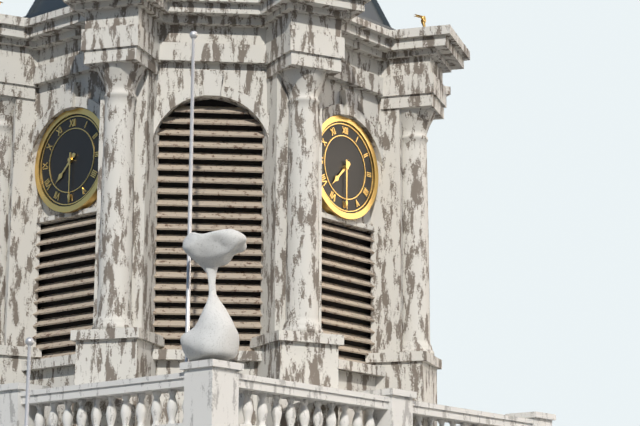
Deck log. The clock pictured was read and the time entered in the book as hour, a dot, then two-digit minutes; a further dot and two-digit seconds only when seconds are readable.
7.30
